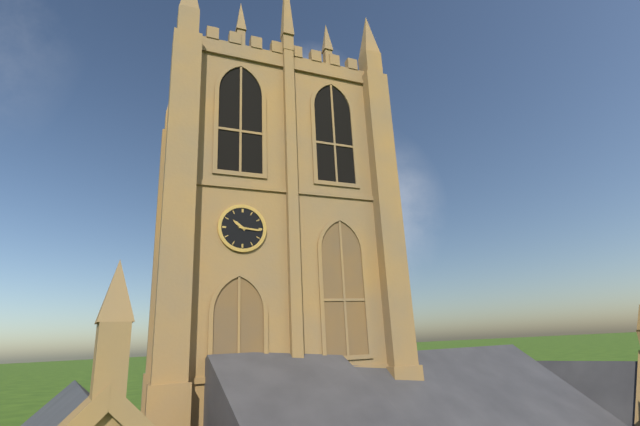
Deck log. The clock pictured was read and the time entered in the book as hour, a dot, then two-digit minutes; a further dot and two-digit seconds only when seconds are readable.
10.16
